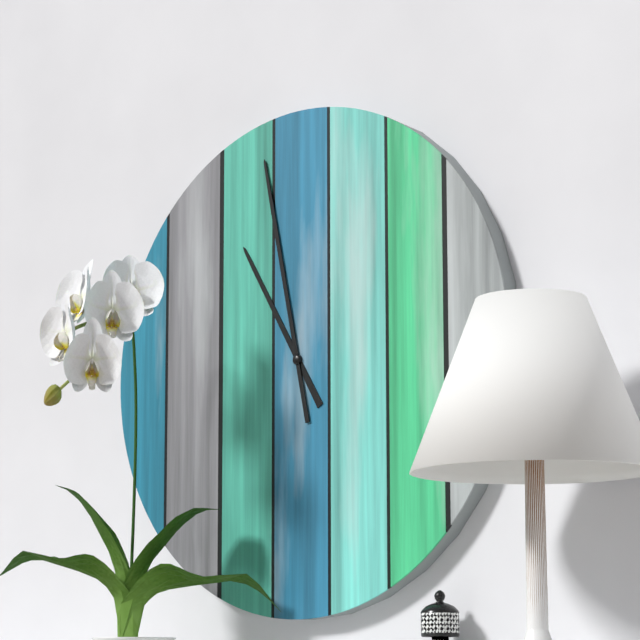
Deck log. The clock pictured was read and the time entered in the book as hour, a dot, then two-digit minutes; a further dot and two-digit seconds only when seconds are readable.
10.58
